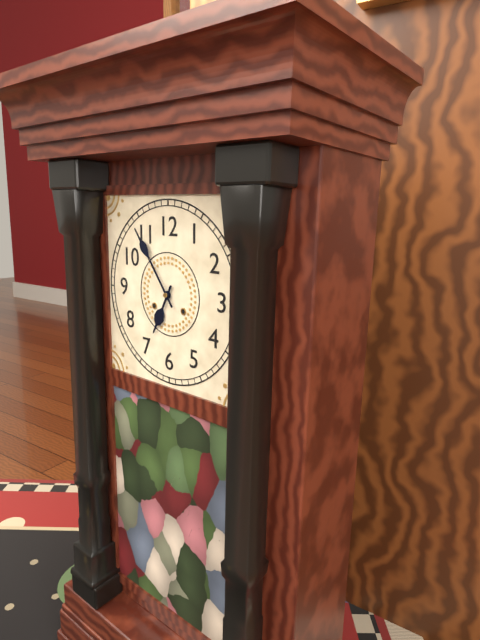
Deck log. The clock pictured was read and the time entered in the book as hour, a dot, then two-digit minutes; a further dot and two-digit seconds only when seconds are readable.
6.54
